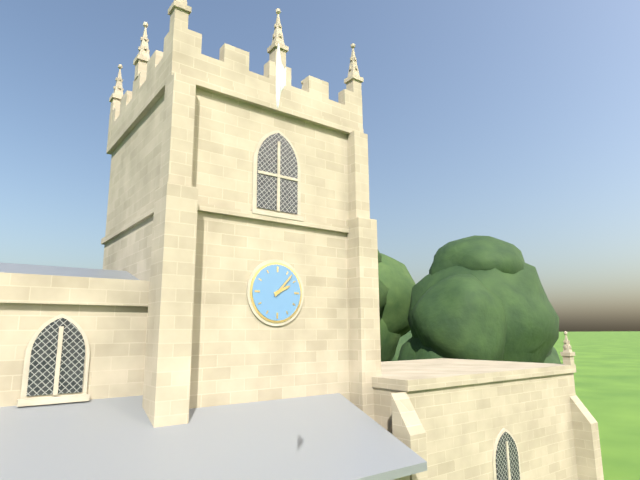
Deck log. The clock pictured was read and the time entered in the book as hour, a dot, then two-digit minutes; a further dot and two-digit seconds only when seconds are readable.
2.07
